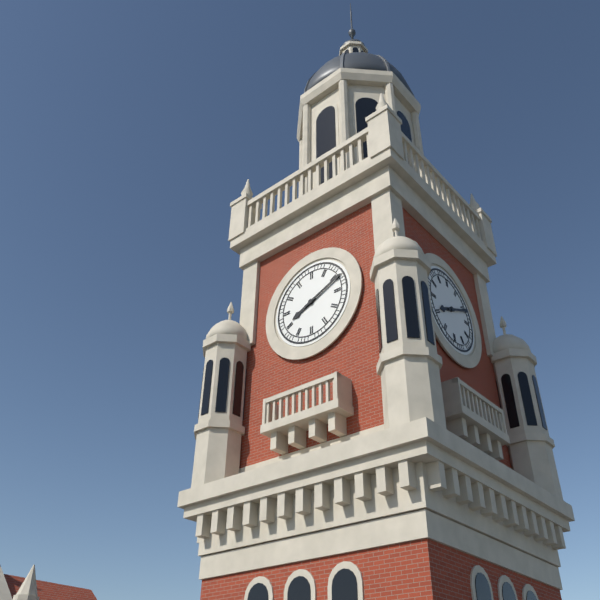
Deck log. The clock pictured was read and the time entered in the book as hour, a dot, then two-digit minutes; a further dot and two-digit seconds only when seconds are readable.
8.11
